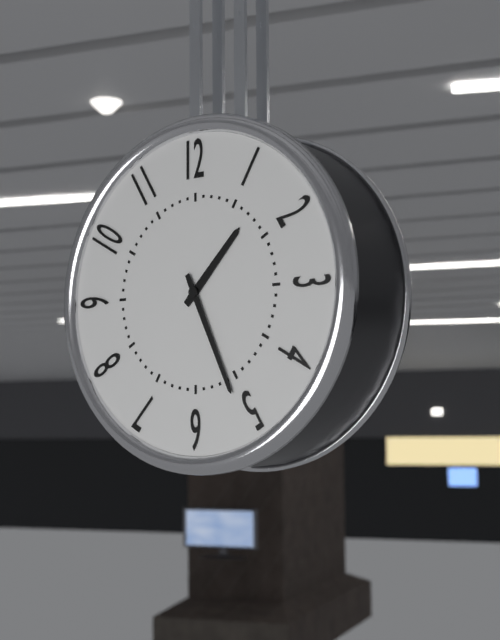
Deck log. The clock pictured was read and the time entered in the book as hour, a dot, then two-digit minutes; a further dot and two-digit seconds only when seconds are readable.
1.26
